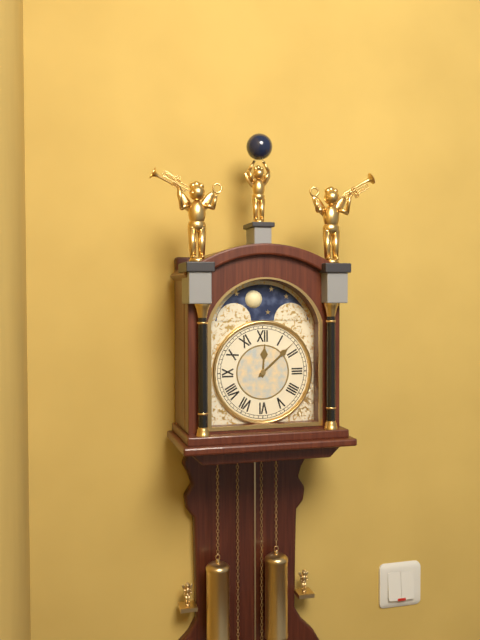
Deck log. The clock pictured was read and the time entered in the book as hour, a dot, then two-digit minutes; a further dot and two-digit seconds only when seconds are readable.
12.08
